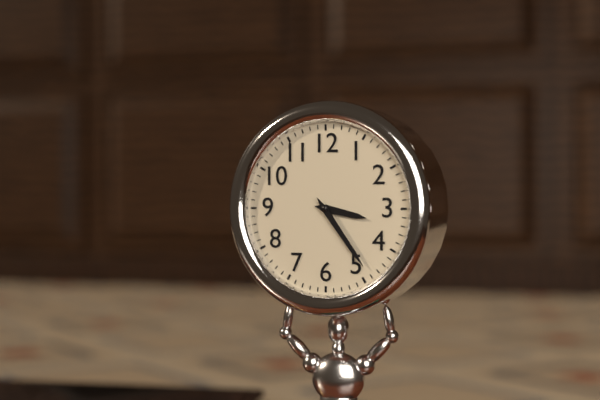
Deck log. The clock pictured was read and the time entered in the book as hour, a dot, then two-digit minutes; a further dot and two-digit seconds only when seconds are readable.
3.24
